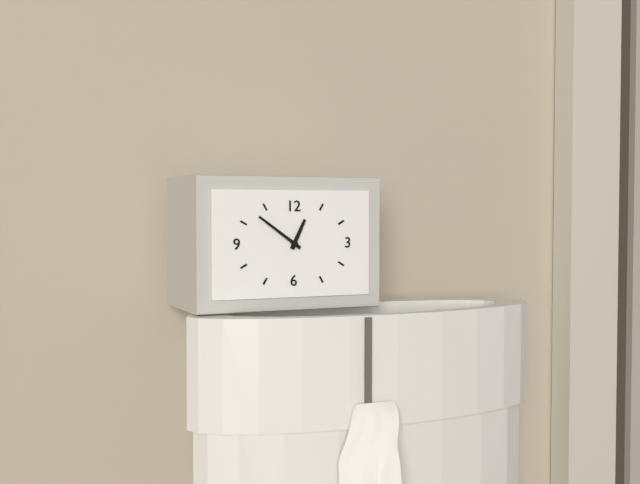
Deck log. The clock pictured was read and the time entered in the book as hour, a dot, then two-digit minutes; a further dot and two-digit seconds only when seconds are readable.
12.51
